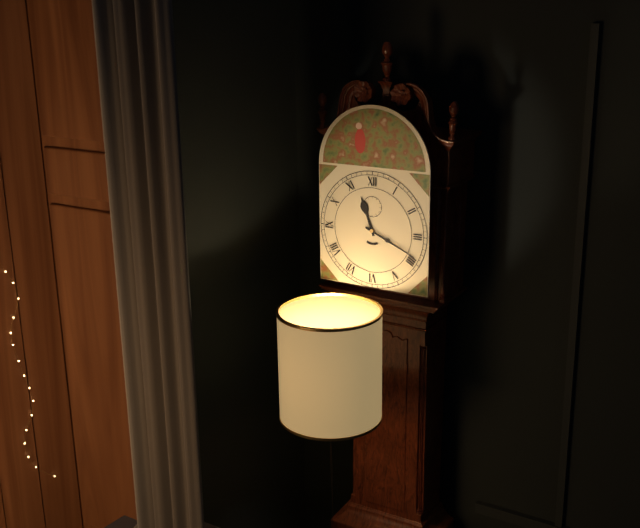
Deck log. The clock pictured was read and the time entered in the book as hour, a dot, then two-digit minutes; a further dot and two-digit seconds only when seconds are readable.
11.19
